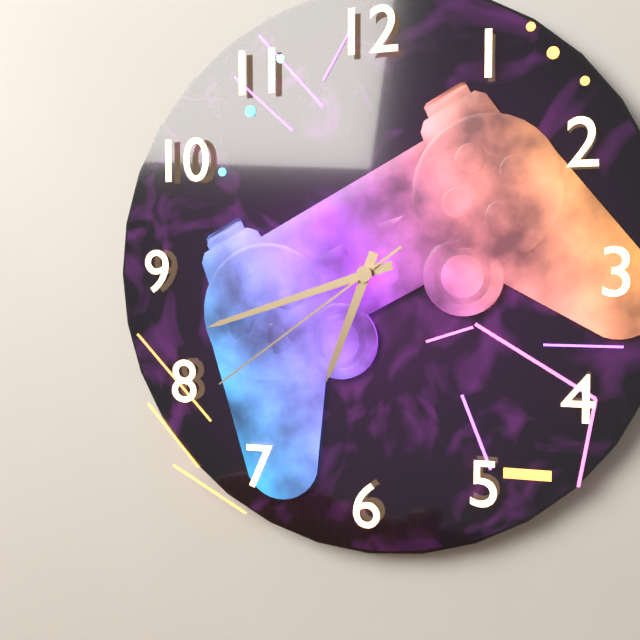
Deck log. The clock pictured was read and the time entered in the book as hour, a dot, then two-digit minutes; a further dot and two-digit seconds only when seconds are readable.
6.42.39
